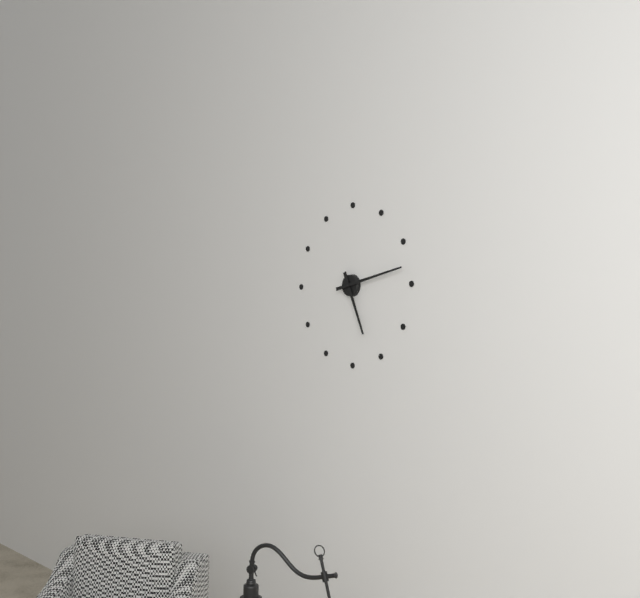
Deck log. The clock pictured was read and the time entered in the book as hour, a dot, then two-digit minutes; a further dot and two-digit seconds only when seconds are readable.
5.13
